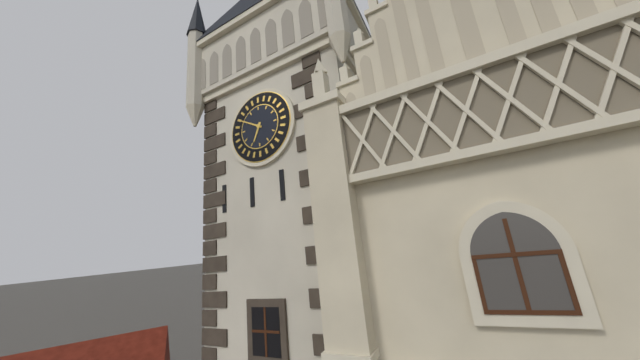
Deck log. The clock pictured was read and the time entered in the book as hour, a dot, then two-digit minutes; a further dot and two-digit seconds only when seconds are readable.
6.50
